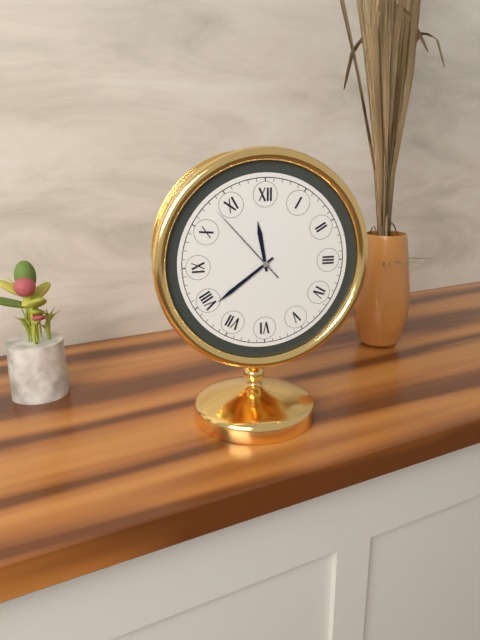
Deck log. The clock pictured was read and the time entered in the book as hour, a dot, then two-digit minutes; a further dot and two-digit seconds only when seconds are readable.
11.39.53
